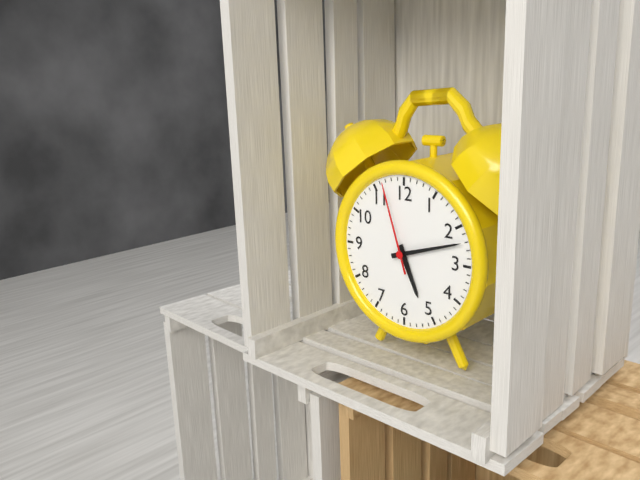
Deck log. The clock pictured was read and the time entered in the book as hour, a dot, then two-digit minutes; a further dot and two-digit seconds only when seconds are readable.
5.12.57
